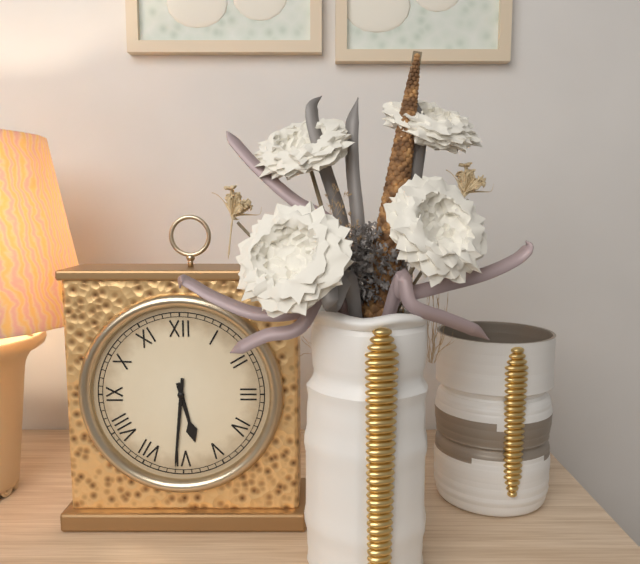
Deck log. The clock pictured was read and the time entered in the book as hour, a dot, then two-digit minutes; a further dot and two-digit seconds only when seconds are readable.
5.31
